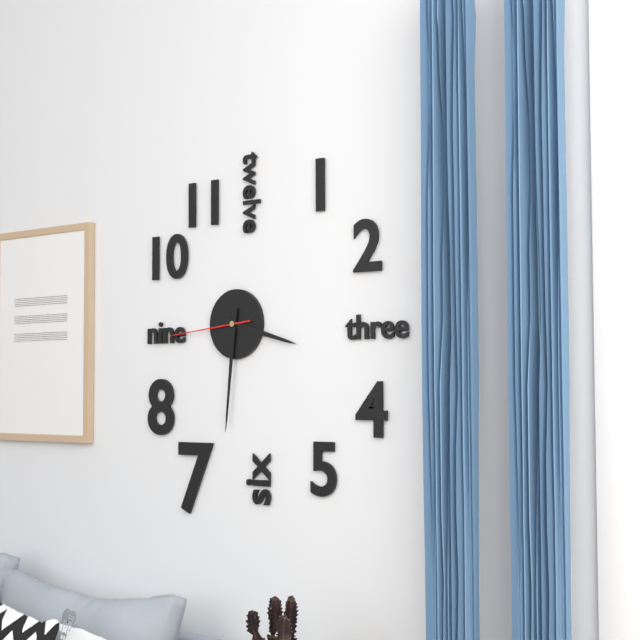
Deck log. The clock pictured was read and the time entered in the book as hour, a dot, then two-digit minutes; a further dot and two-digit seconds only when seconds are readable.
3.31.44
